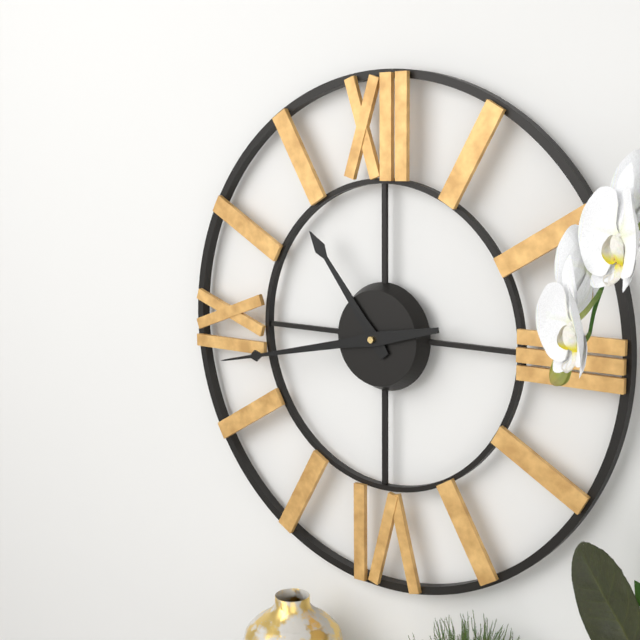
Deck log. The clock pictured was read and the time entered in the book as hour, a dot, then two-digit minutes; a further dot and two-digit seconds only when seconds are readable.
10.43
